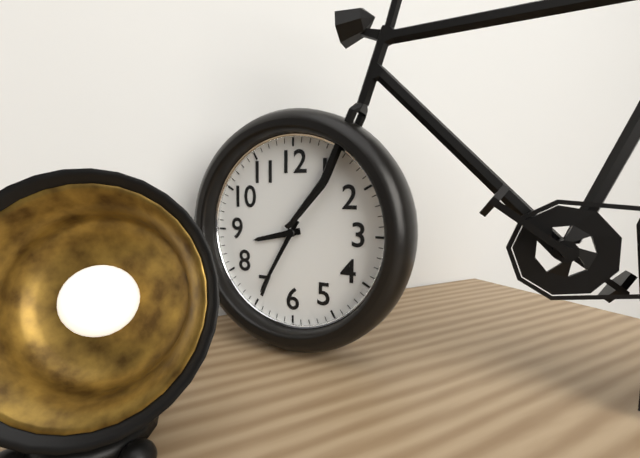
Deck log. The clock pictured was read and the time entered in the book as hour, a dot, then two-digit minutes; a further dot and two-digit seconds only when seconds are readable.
8.35
